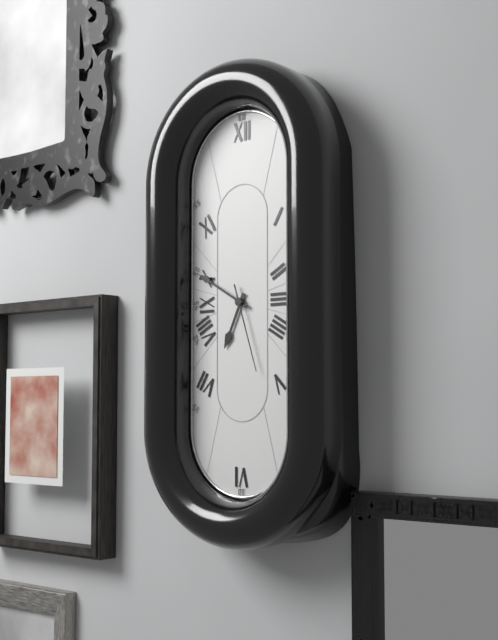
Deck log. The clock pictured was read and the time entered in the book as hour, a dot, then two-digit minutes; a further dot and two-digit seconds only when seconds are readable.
6.50.27
